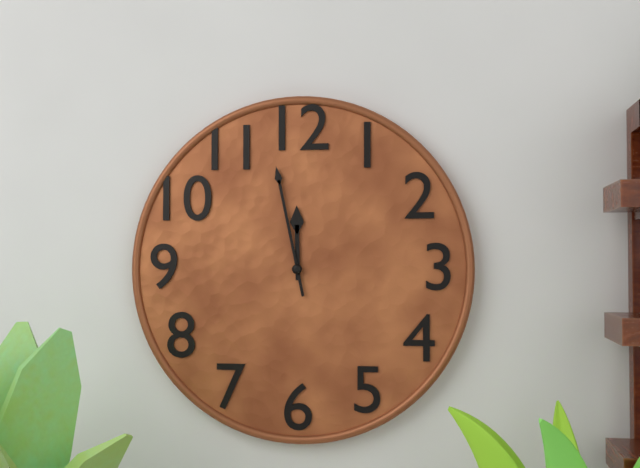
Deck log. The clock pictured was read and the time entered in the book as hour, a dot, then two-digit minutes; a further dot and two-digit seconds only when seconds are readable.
11.58
